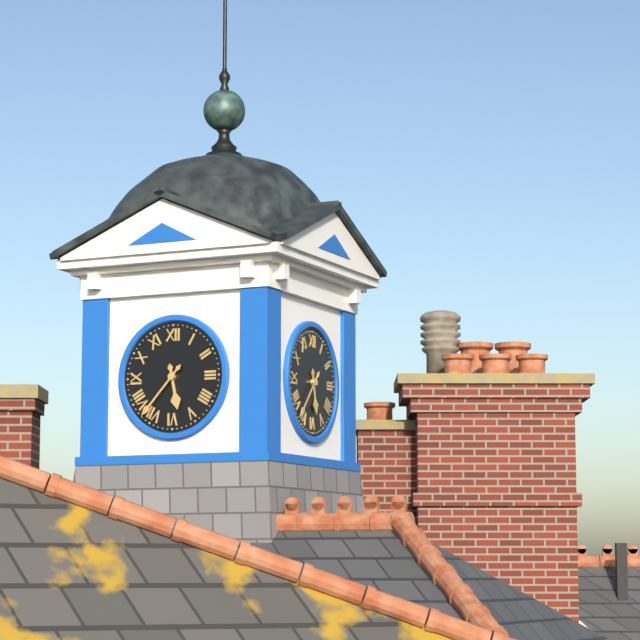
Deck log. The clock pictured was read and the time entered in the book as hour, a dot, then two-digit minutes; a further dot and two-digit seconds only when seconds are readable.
5.37
